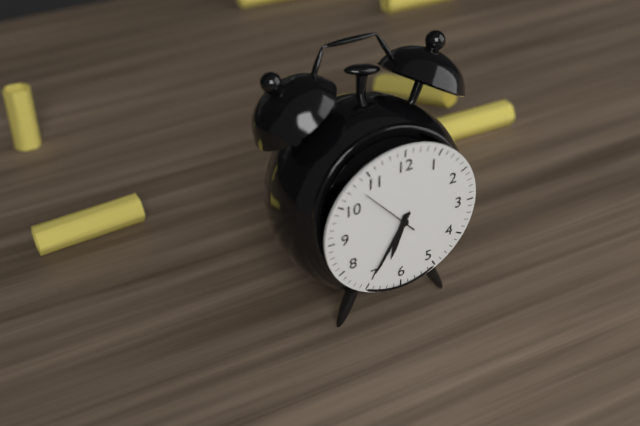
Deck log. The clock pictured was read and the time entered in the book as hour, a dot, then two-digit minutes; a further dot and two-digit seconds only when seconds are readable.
6.35
